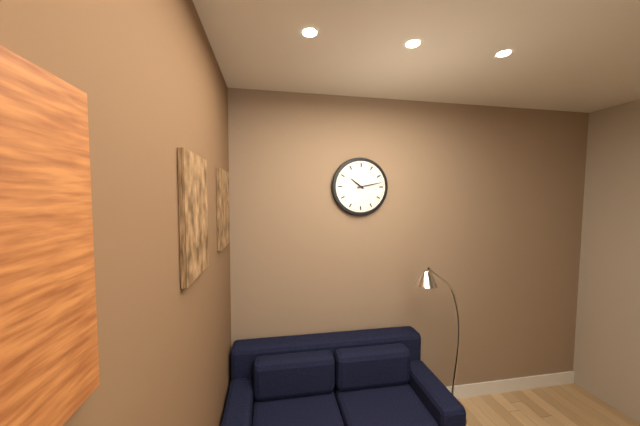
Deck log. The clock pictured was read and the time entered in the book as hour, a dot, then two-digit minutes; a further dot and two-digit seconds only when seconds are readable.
10.13
